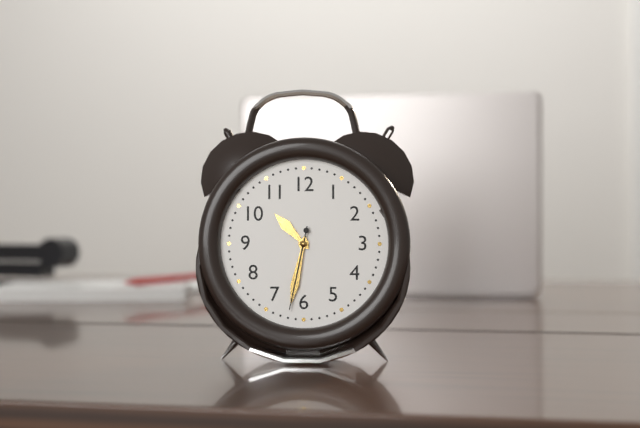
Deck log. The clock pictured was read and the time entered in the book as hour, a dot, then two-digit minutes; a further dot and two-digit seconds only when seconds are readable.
10.32.32
